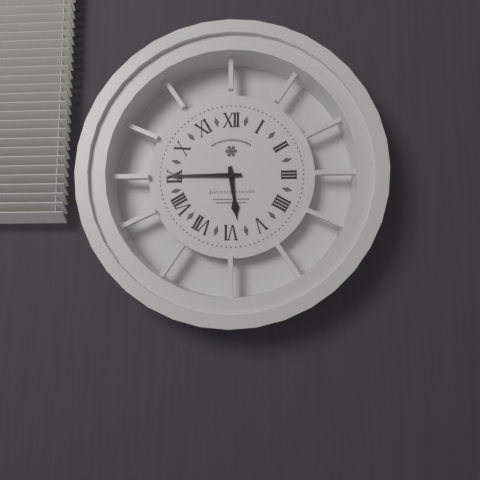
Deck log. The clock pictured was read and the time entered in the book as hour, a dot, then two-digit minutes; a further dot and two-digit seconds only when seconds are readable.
5.45
